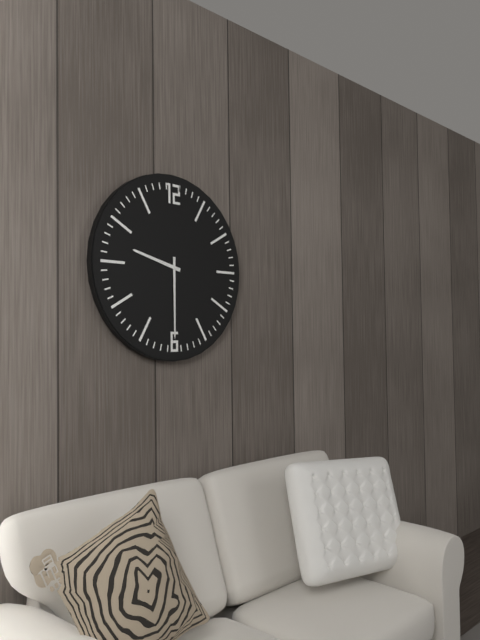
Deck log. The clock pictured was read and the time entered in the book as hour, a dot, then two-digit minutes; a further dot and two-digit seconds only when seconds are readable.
9.30
